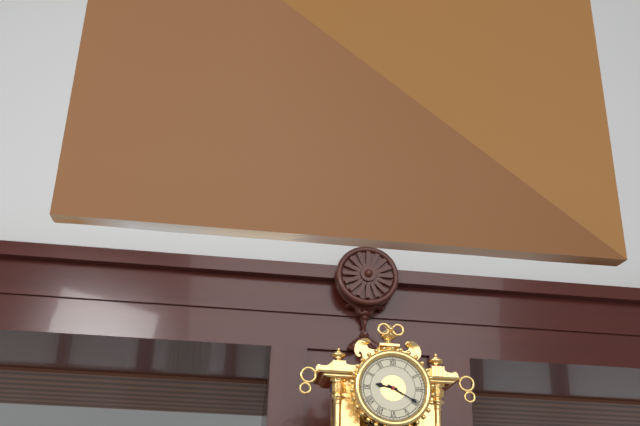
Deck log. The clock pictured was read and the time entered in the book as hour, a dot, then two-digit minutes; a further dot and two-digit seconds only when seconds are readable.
9.20
